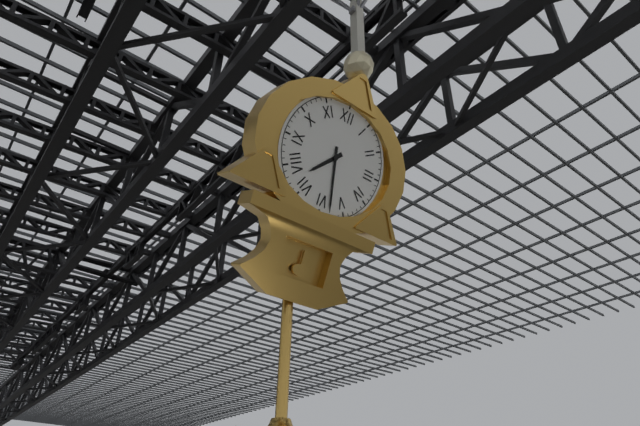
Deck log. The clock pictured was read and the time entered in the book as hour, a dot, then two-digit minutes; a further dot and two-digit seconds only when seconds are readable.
7.28
